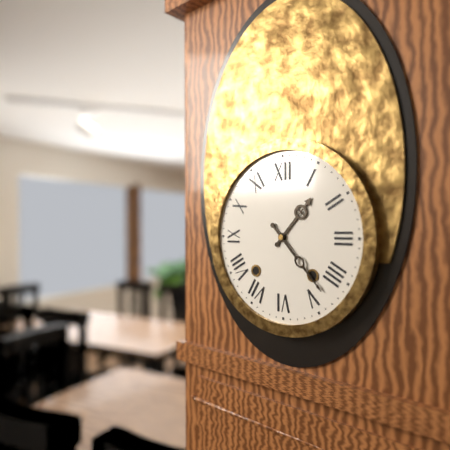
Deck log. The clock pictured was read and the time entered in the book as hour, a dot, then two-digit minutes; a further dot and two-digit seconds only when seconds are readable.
1.23
